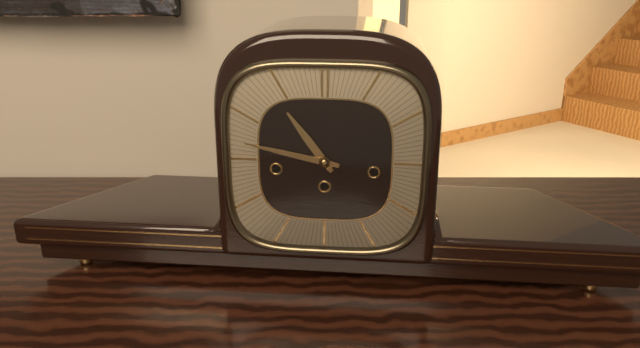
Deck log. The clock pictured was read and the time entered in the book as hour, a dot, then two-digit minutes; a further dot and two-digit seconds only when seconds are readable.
10.47
